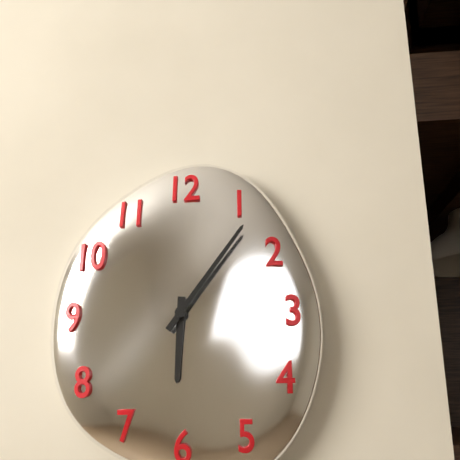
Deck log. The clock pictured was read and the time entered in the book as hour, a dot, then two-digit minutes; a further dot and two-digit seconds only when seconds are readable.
6.06
